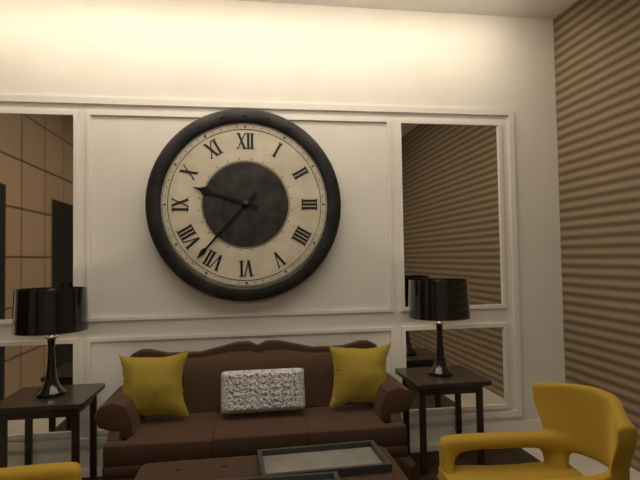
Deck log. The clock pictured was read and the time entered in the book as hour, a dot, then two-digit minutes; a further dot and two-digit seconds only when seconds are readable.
9.37
